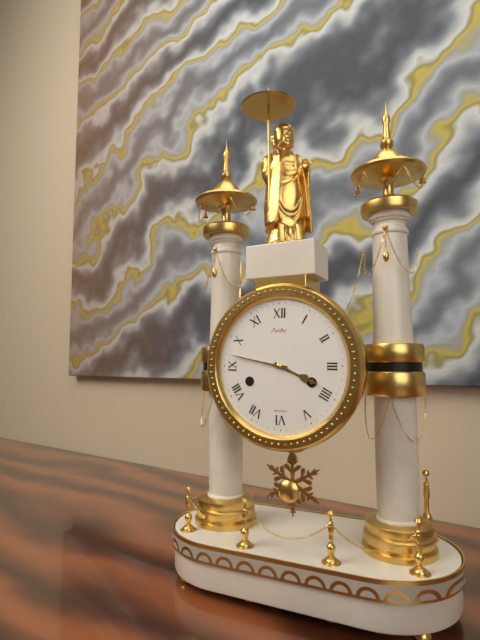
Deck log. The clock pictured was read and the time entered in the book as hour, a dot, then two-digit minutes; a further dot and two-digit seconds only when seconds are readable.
3.47
